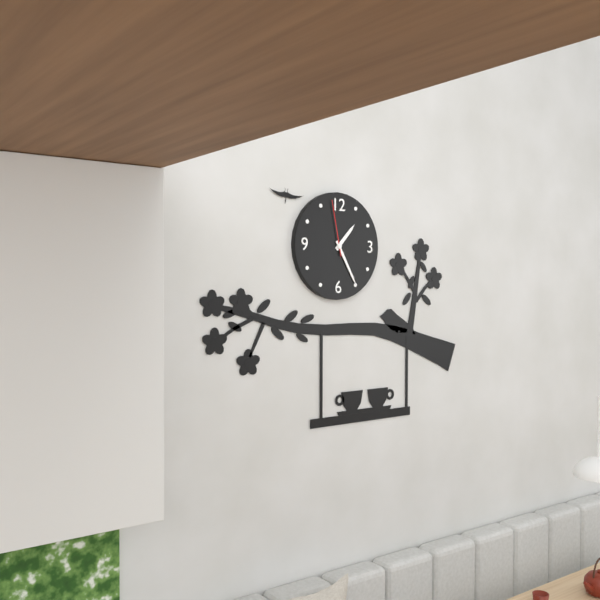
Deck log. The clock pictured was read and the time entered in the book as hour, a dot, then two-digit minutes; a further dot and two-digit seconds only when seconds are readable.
1.25.58
